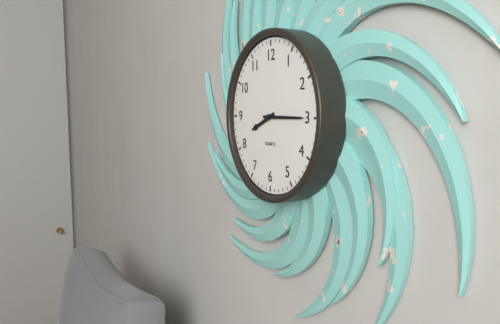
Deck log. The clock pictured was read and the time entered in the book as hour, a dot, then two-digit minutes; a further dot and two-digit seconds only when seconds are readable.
8.15
